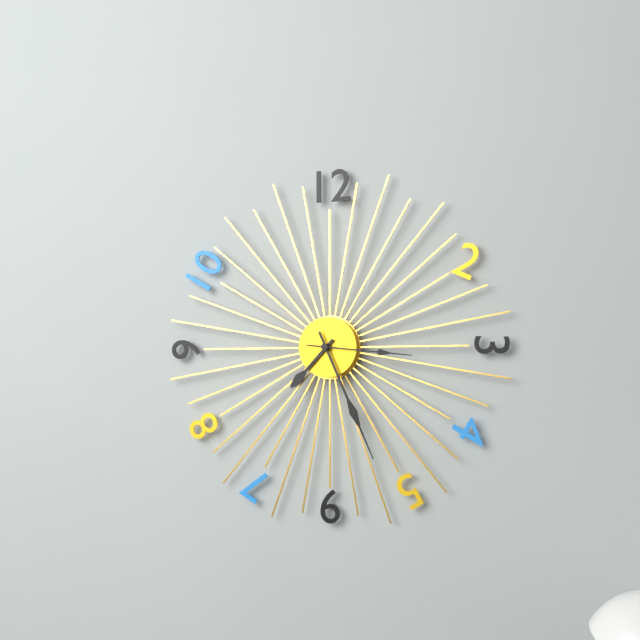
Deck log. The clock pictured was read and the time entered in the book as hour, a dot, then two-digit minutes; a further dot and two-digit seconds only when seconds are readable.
7.26.16
